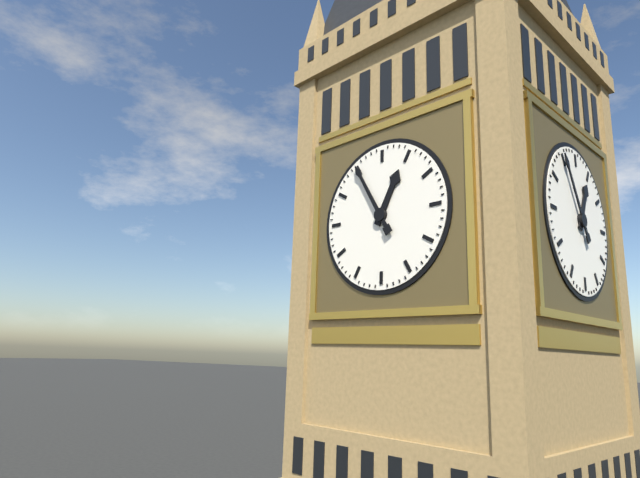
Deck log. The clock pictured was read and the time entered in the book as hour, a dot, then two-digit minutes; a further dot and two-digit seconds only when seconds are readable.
12.55
